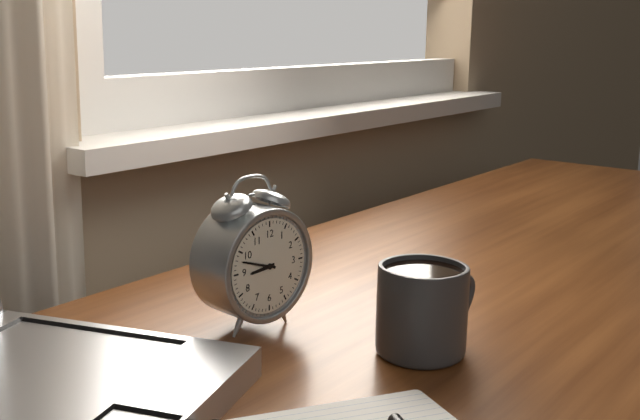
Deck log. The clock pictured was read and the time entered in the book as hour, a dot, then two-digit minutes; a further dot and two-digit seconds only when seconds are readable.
8.48
